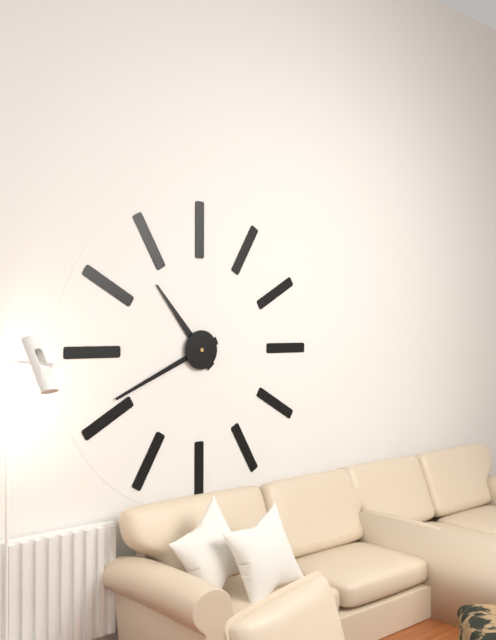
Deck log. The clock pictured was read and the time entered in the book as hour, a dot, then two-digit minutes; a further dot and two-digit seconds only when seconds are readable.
10.41
